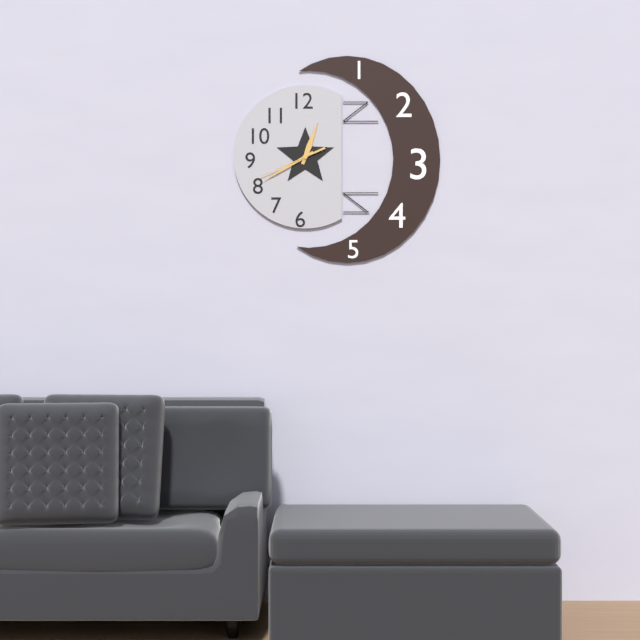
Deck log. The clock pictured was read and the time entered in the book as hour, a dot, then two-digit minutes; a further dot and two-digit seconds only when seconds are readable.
12.40.41
